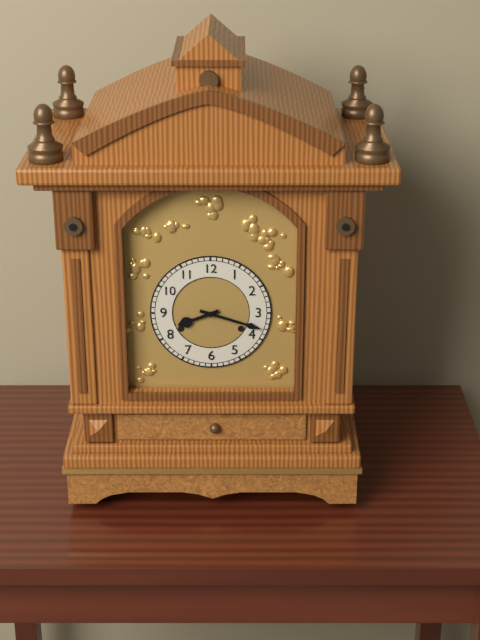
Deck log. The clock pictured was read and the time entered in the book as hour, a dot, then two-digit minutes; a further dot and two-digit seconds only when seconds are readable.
8.18
